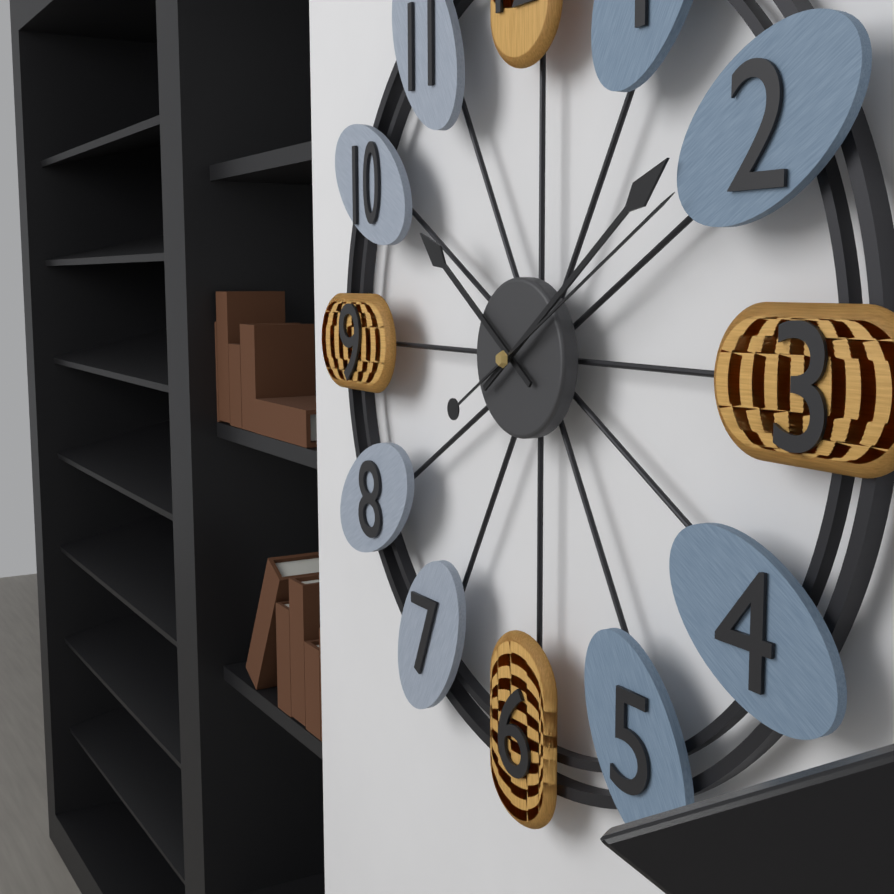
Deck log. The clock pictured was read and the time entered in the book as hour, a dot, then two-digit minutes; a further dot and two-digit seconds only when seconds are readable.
10.09.10
